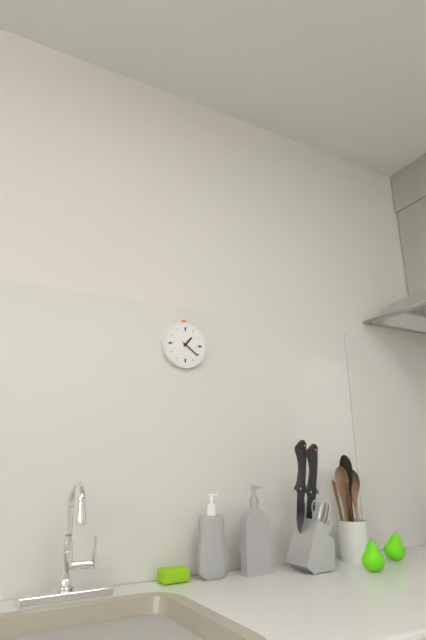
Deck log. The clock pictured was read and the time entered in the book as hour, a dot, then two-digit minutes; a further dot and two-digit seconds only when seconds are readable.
1.21
